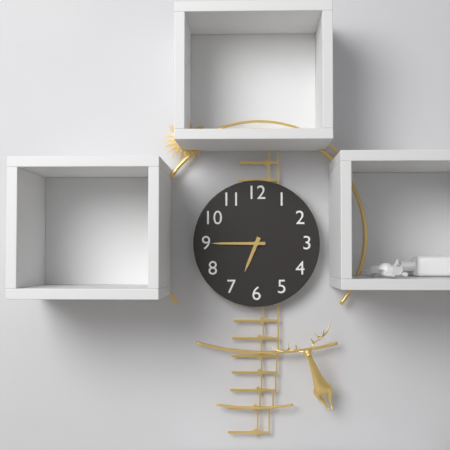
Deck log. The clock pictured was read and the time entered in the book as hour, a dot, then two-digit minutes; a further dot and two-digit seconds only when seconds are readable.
6.45
